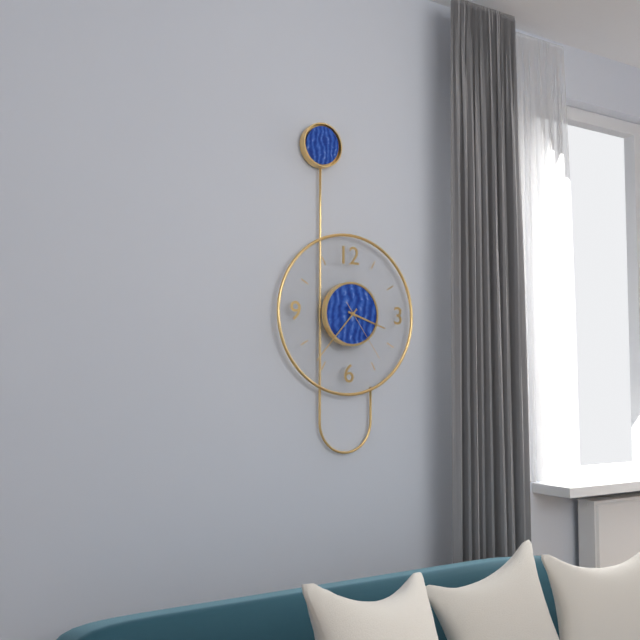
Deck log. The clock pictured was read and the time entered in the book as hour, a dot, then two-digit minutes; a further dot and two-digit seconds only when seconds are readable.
3.37.24
